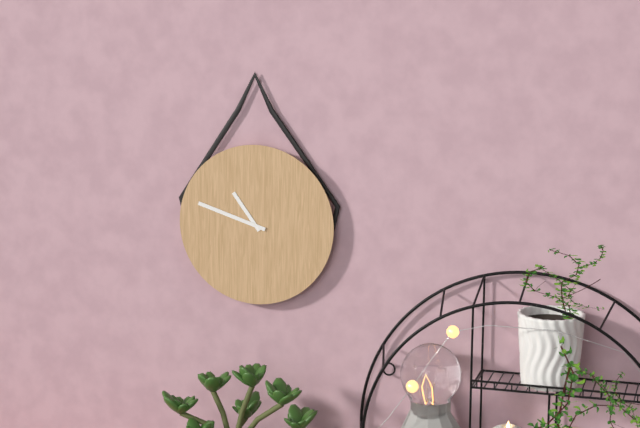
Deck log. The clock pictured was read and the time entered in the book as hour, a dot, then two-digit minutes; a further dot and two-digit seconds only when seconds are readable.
10.48
